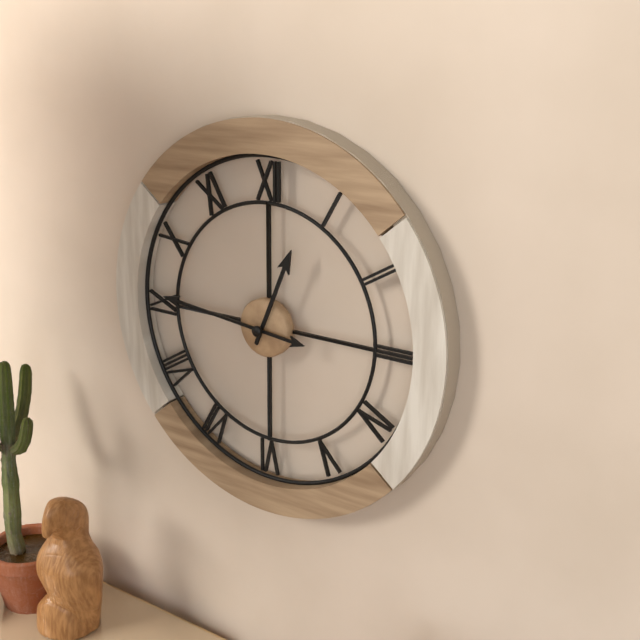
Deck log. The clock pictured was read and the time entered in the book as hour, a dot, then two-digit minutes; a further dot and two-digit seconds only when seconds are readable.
12.46
